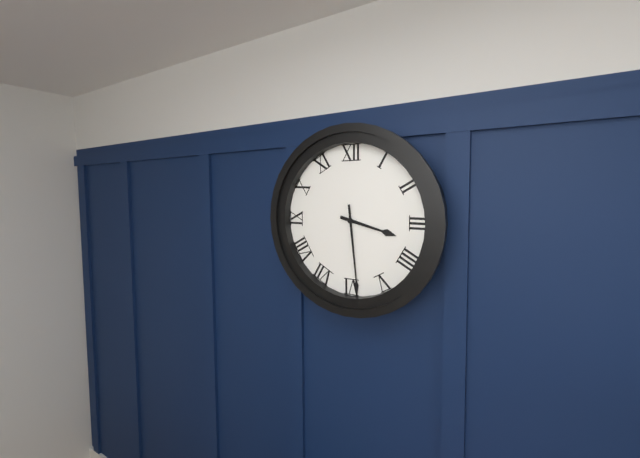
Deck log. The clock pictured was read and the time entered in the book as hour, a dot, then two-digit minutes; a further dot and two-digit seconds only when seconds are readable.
3.29
